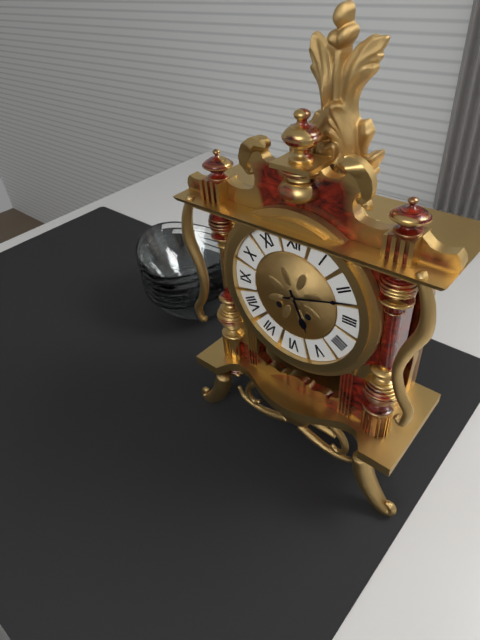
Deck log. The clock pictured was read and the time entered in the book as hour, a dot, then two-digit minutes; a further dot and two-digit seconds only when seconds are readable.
5.12
